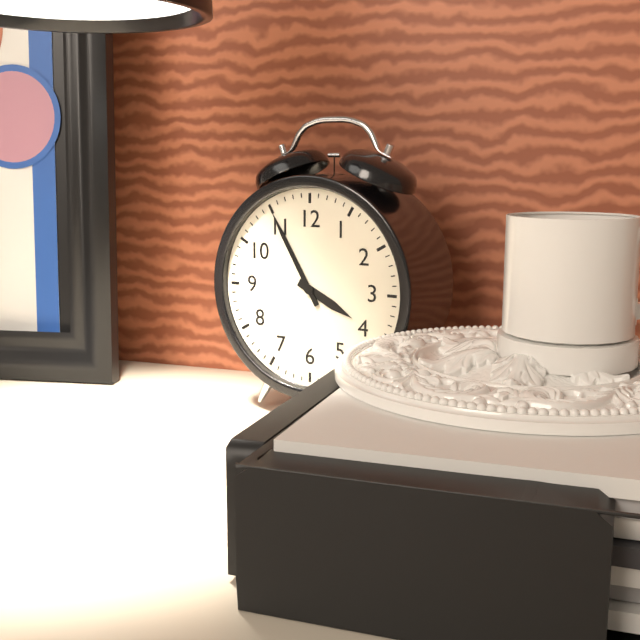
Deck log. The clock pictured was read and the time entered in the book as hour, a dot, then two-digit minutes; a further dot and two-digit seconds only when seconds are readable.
3.55
